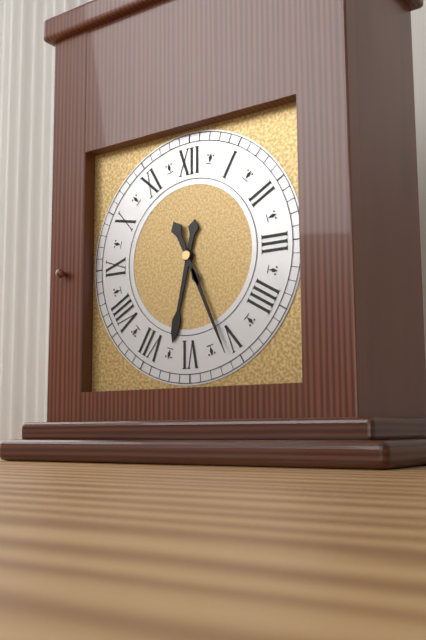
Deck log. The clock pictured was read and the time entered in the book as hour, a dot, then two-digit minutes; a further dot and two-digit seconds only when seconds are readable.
6.26
